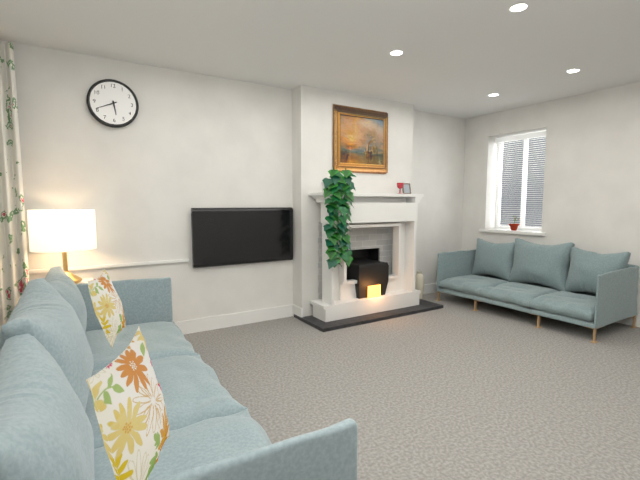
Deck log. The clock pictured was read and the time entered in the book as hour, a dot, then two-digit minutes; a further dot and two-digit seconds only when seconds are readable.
5.41
